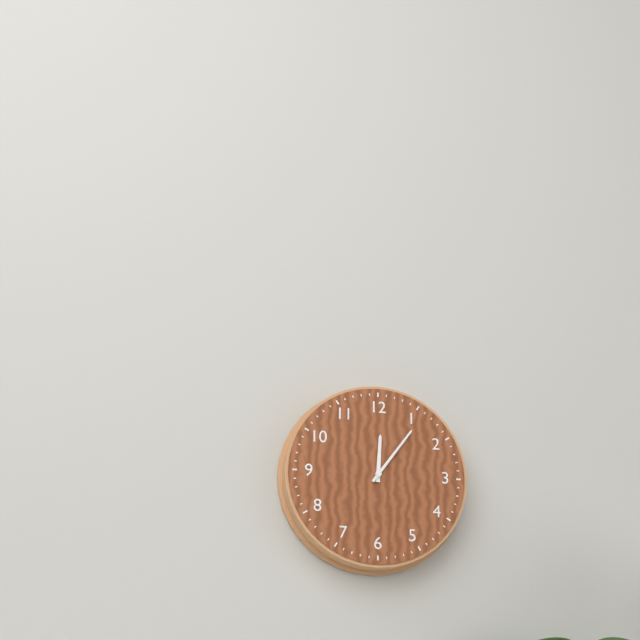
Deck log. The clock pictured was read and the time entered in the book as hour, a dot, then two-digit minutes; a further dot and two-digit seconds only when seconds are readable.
12.06
